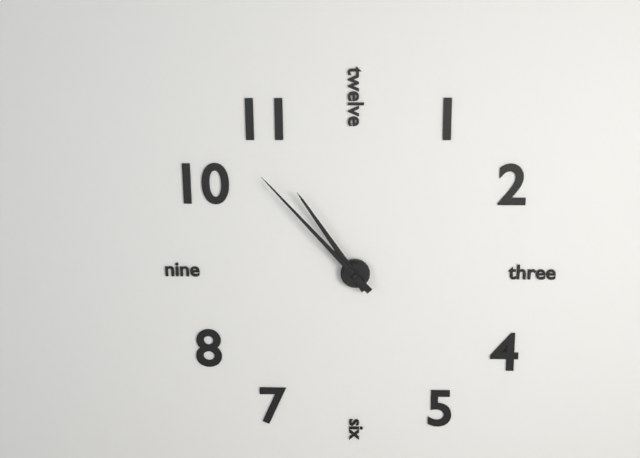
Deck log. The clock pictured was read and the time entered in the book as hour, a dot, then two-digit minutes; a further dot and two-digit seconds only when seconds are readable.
10.53
